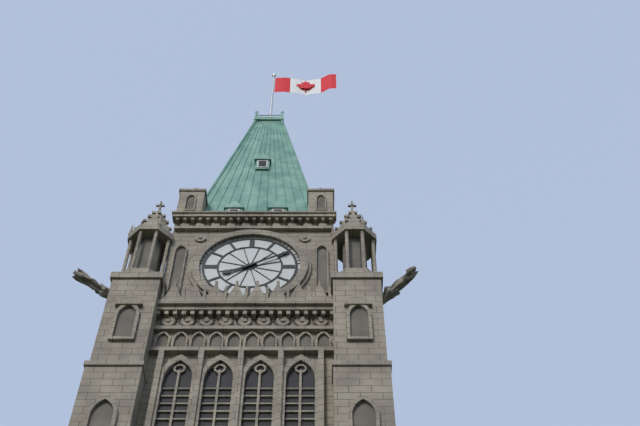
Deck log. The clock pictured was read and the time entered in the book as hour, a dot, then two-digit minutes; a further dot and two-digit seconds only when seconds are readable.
8.10
